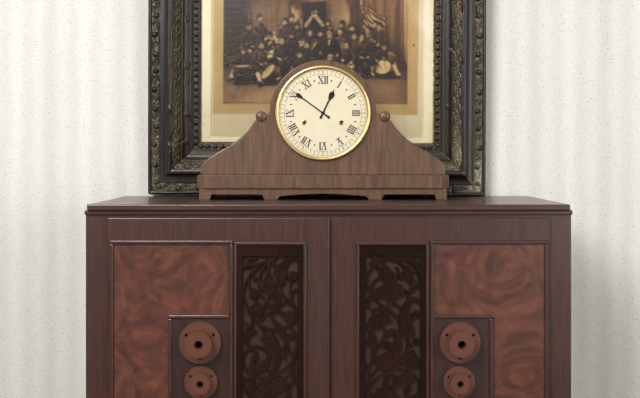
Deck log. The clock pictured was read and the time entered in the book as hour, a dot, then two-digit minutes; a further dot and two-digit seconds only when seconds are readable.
12.51
